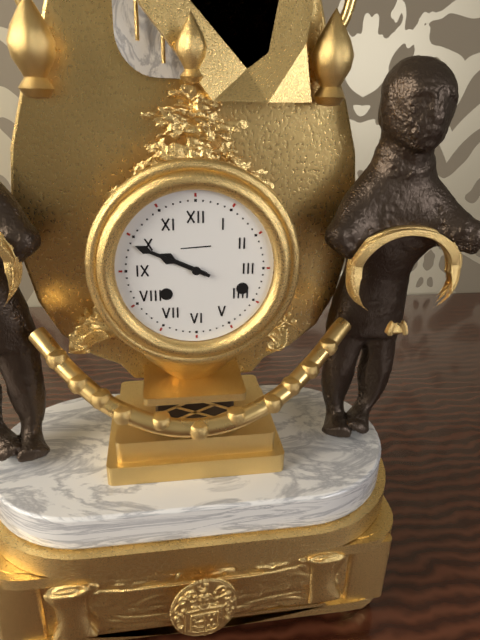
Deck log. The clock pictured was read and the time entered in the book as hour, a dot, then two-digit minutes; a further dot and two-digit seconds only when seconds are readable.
9.49
